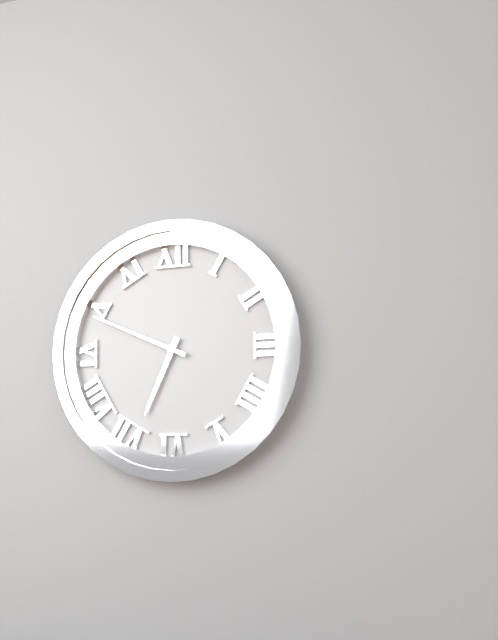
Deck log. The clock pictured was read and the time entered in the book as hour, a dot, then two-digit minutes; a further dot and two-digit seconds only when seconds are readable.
6.49
